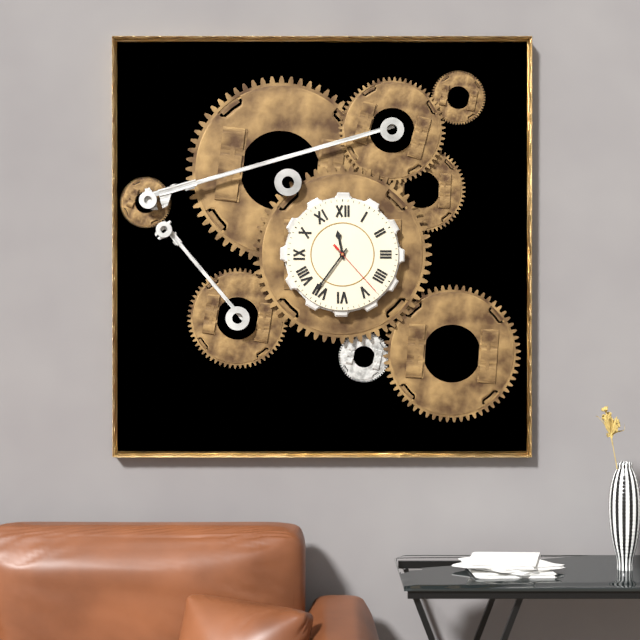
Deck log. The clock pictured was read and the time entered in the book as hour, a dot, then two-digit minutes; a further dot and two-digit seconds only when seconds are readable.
11.36.23
